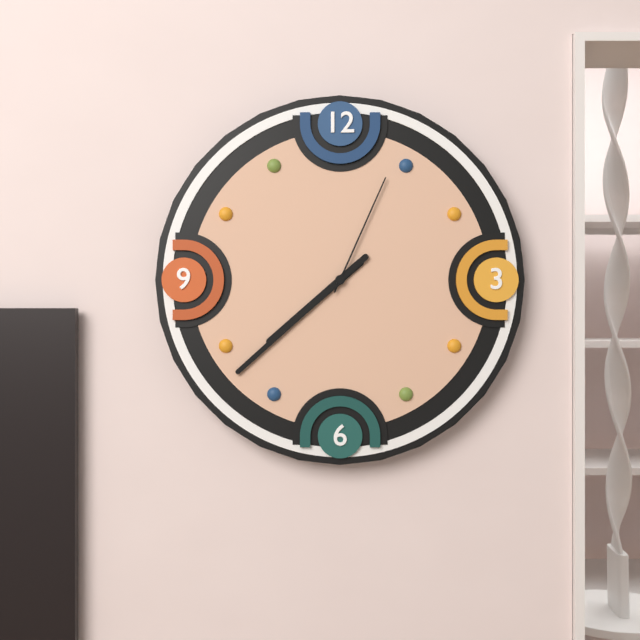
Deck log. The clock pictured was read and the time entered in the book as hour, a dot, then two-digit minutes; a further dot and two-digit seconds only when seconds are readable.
7.38.04
